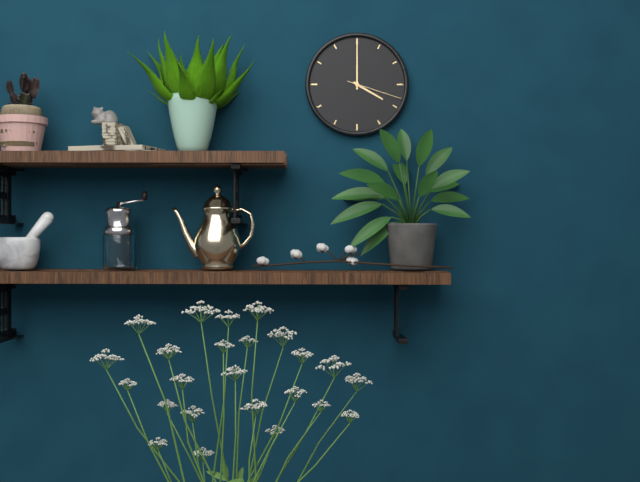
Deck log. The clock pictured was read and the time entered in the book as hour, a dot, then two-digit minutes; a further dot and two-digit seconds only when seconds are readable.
4.00.18
